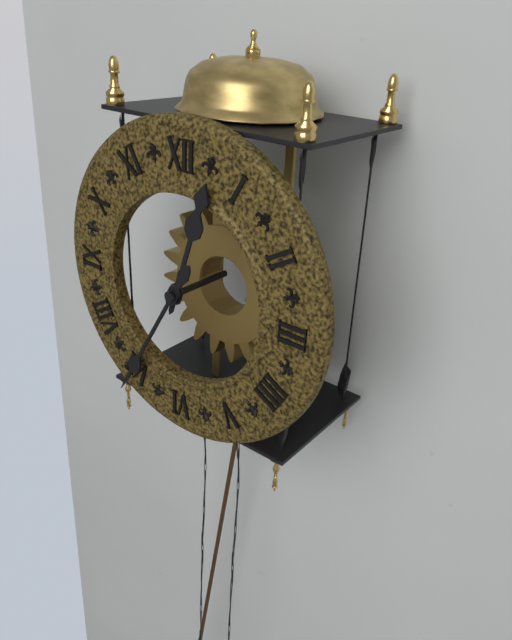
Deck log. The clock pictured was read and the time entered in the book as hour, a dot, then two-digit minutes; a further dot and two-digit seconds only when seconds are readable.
12.35
